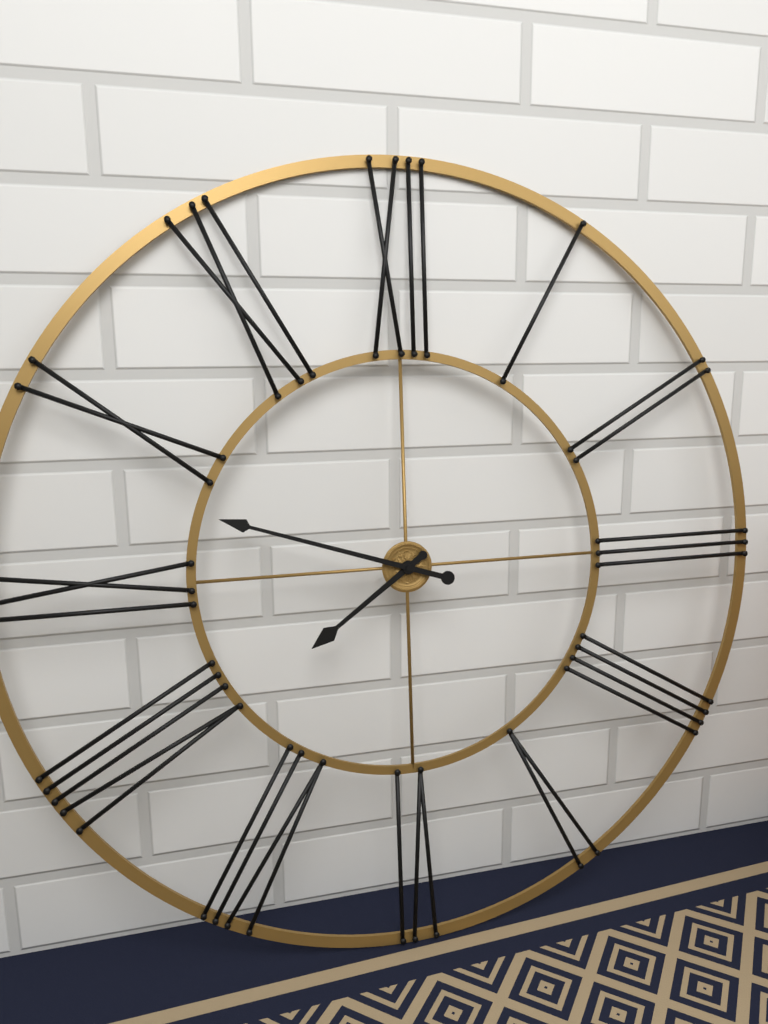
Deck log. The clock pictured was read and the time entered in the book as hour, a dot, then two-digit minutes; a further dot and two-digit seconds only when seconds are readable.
7.48
